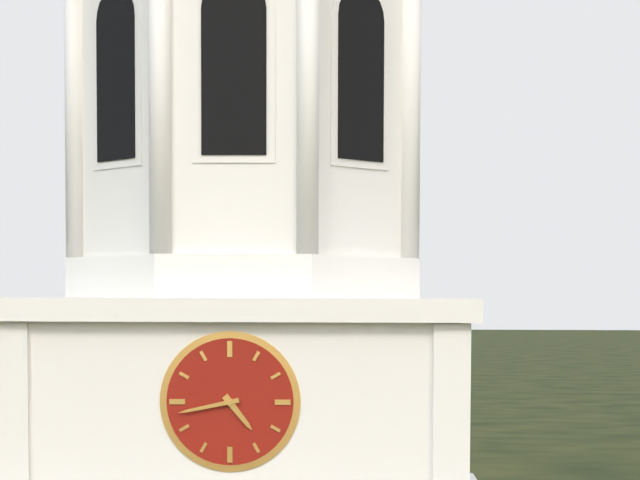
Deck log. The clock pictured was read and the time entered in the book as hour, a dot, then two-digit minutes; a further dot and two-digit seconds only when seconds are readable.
4.43
